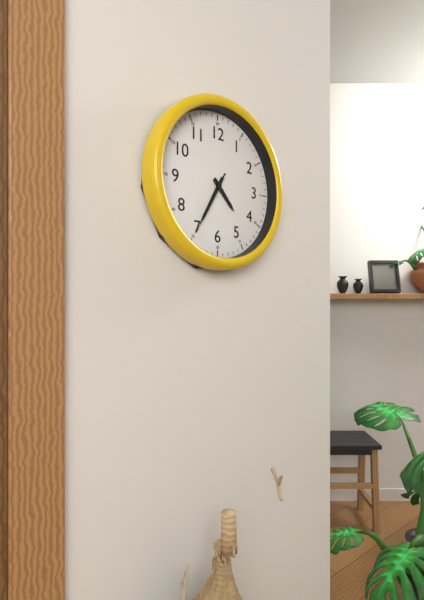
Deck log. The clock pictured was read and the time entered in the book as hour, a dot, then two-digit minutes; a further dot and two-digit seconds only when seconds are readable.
4.35.35
